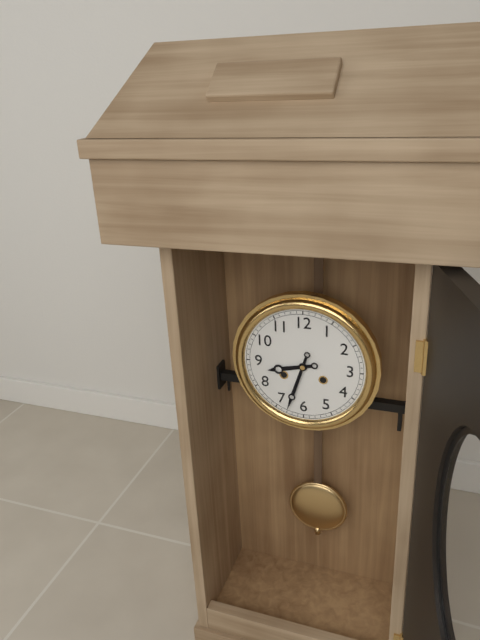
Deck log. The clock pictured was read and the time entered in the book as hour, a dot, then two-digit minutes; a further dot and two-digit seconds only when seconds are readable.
8.33
